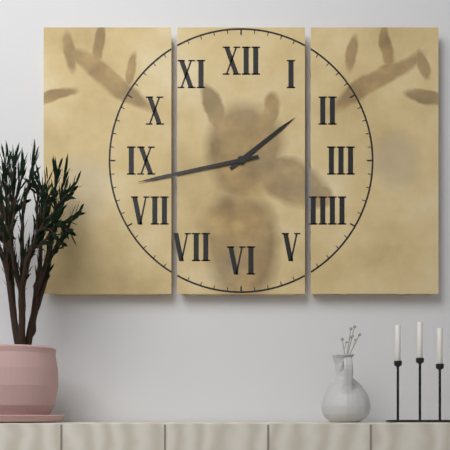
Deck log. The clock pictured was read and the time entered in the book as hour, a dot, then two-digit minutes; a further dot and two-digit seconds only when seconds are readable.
1.43
